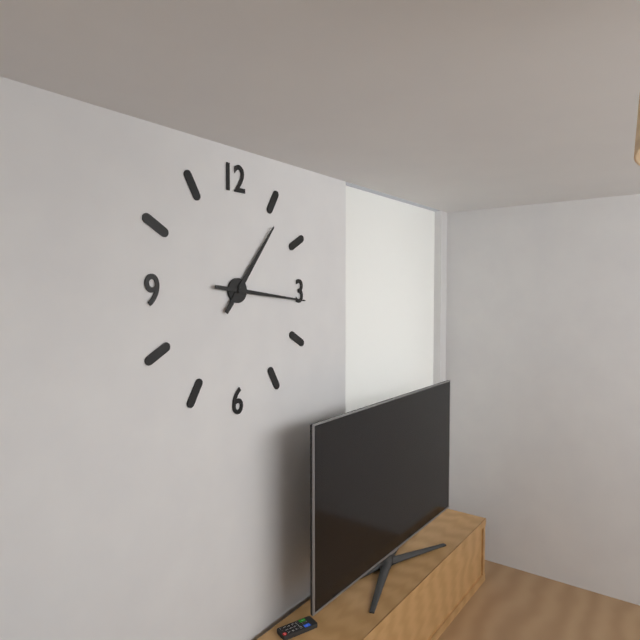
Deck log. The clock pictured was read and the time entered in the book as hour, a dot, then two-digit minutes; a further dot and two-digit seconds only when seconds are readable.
1.16
